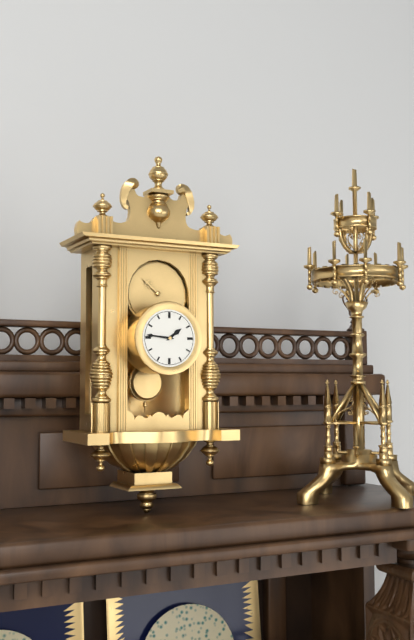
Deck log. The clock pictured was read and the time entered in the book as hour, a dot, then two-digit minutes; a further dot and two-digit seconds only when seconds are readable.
1.46
